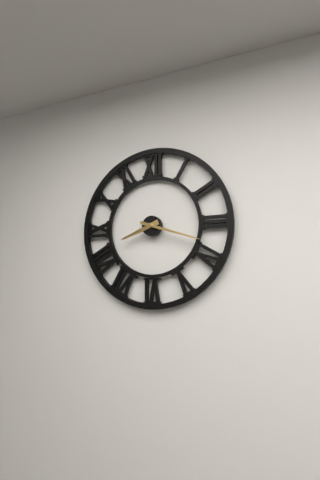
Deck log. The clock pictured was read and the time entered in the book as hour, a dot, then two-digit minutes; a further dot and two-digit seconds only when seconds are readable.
8.18
